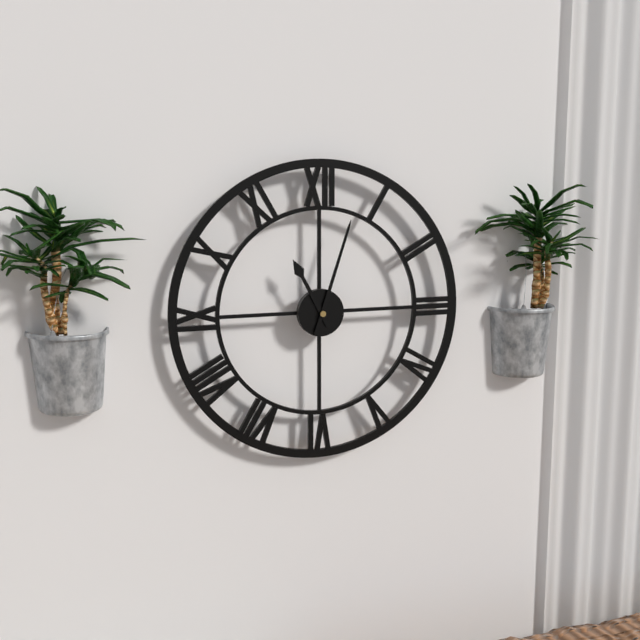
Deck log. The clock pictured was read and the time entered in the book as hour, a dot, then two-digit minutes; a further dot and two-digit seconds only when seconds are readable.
11.03
